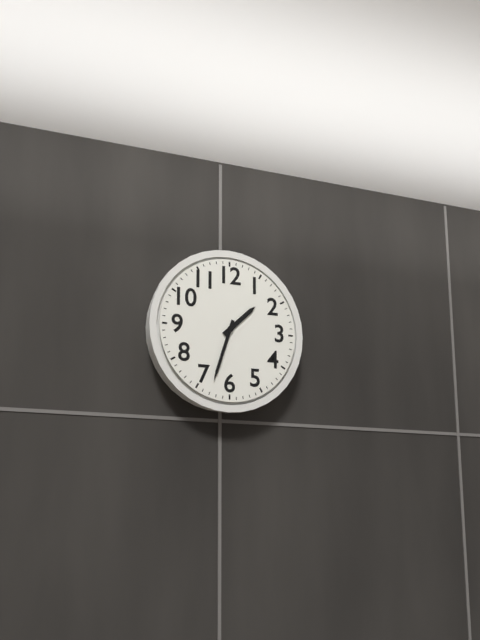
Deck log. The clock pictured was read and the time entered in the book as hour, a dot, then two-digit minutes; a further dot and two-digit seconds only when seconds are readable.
1.33
